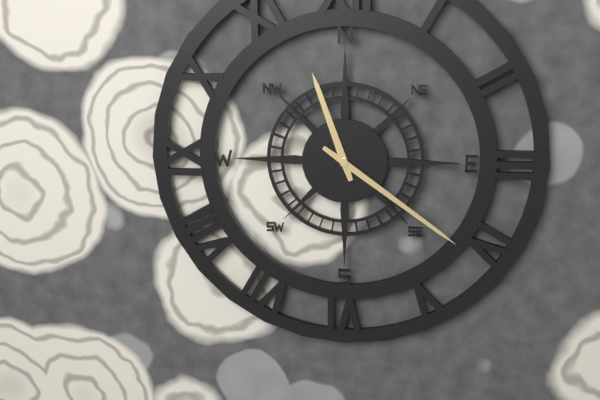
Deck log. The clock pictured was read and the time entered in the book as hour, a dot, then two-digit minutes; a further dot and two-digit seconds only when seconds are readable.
11.21
